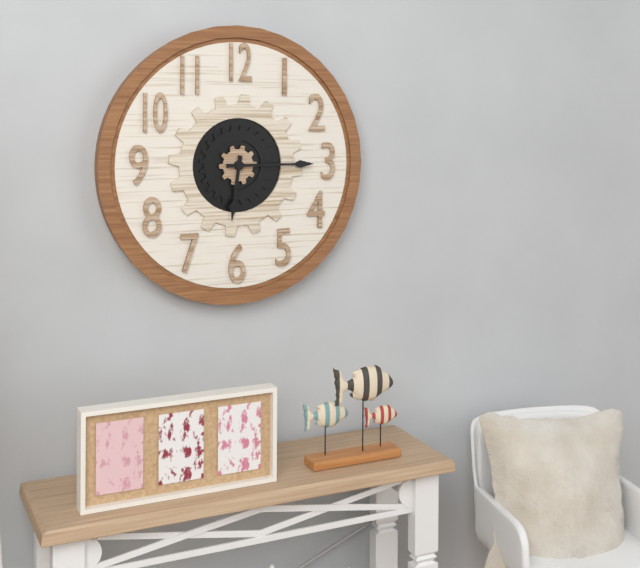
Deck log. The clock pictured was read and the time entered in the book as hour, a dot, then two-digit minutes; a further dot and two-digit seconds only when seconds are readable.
6.15
